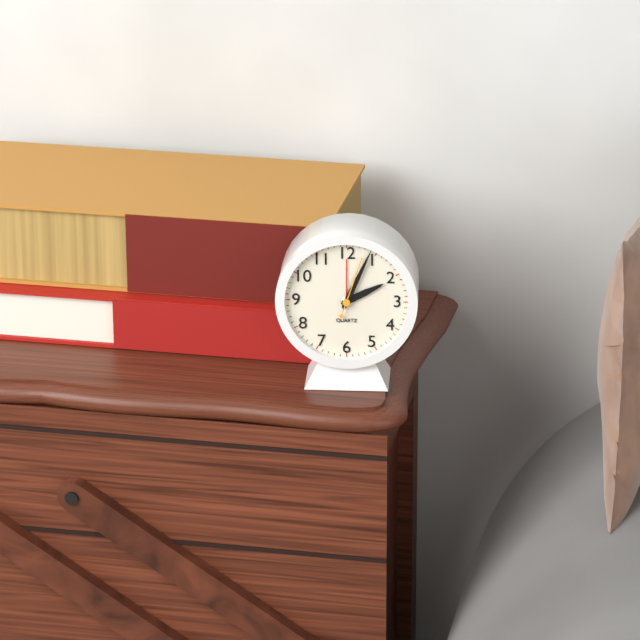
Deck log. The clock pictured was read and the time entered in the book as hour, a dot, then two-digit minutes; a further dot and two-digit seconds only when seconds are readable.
2.04.03
